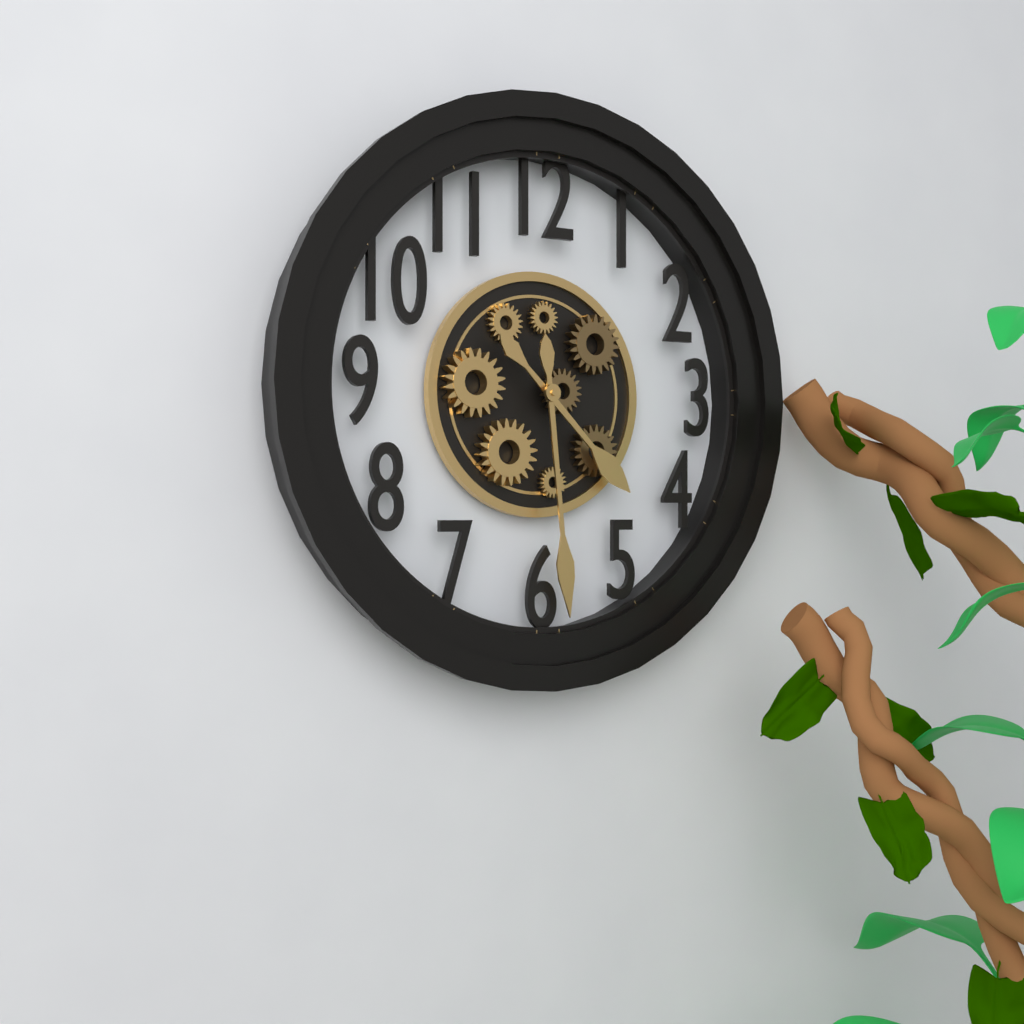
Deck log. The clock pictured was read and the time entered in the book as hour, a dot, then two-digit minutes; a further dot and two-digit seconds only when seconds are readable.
4.29
